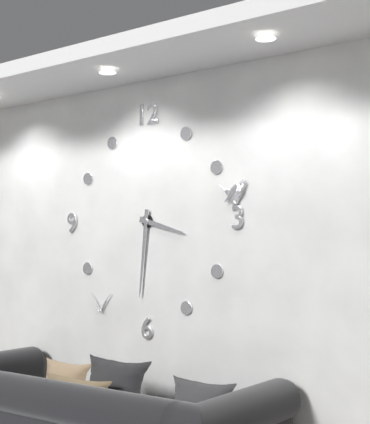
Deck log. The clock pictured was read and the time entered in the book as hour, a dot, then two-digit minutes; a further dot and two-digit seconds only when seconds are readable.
3.31
